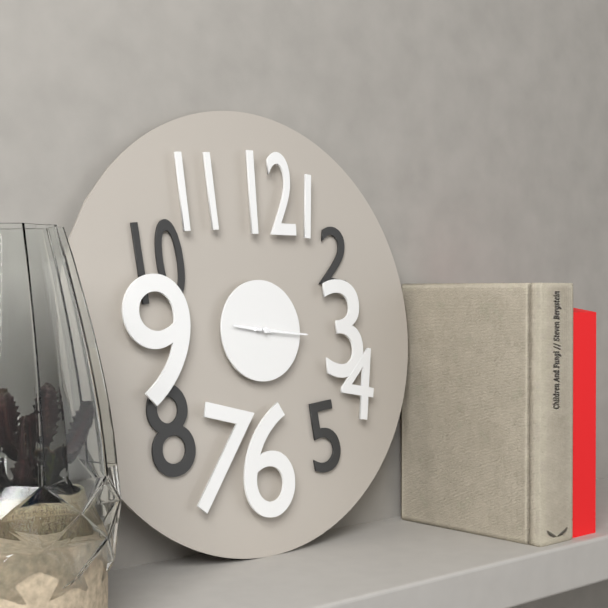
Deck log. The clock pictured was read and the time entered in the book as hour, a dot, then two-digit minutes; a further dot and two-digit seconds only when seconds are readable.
9.16
